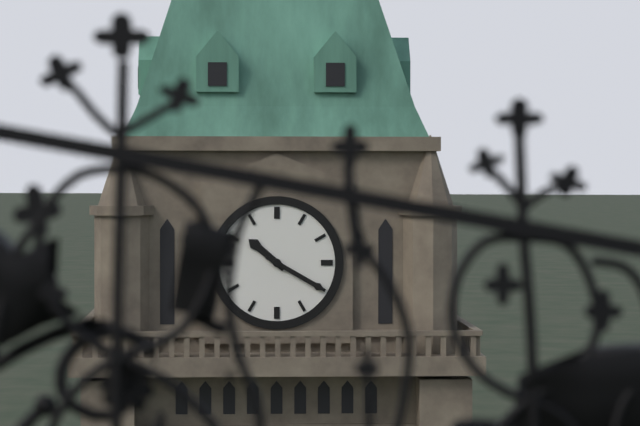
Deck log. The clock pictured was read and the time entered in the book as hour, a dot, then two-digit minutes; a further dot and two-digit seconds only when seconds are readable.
10.20
